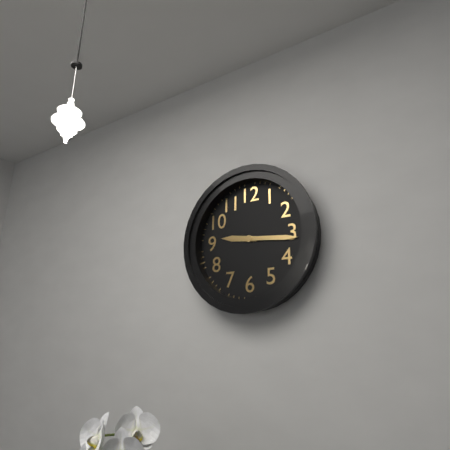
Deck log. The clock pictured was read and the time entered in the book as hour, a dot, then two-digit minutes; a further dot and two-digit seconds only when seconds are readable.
9.16
